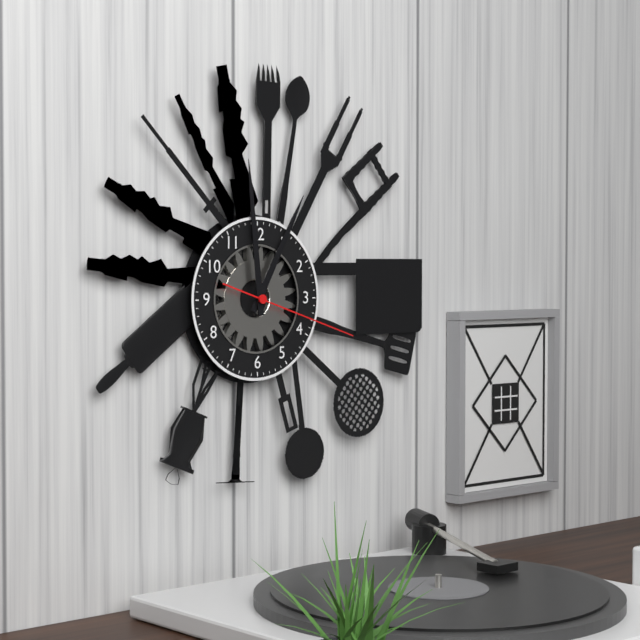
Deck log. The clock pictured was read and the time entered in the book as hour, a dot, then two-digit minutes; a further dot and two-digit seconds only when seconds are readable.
12.59.18
